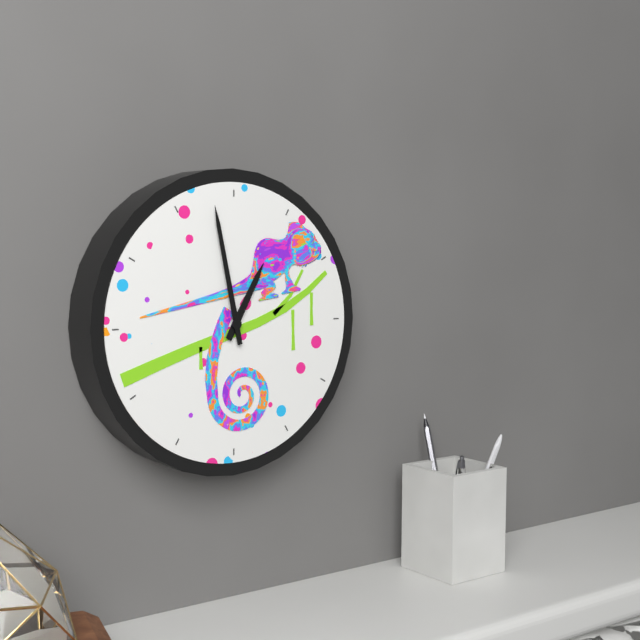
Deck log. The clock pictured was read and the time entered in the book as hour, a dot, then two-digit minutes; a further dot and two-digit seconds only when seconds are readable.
12.58
